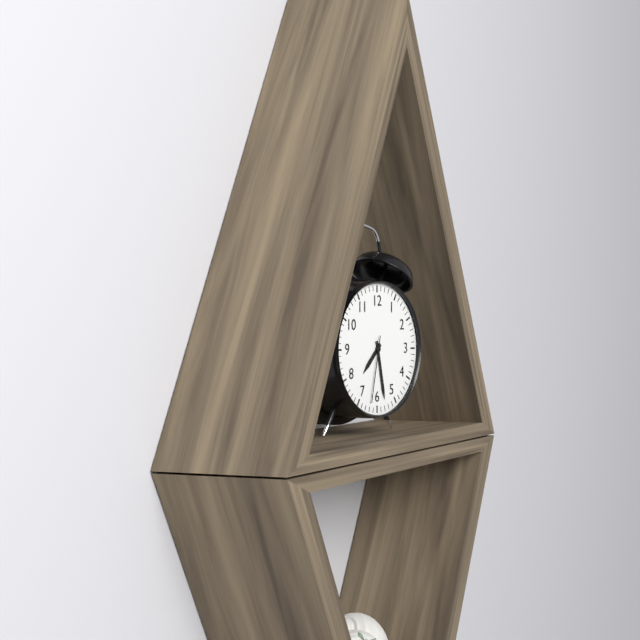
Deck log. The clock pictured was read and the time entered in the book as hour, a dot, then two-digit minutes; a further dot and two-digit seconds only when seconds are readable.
7.28.32
